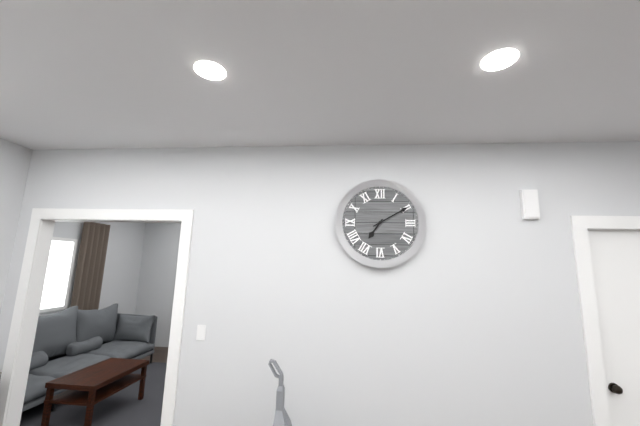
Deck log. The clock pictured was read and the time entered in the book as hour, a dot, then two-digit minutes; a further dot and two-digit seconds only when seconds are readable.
7.10
